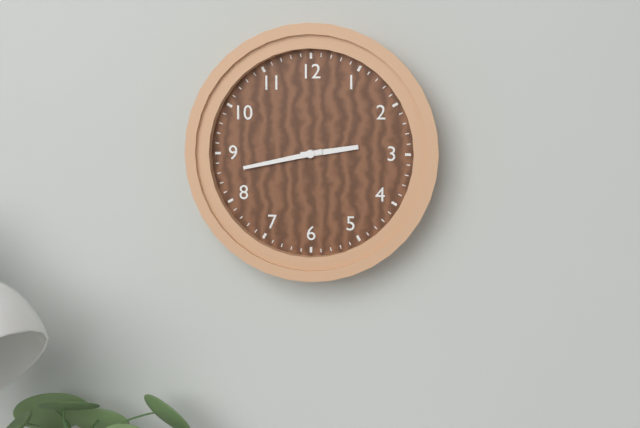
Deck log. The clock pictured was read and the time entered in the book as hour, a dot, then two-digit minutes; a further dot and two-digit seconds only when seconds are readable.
2.43
